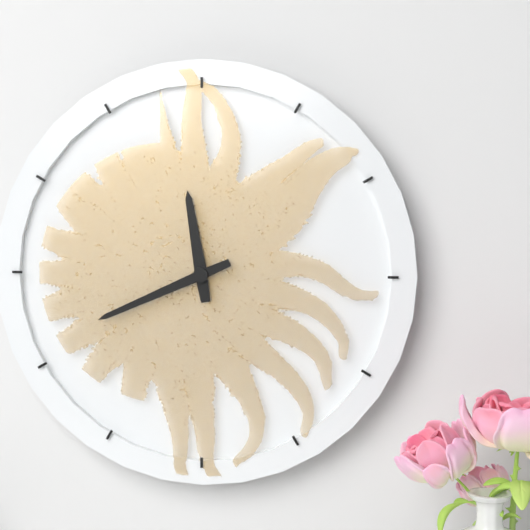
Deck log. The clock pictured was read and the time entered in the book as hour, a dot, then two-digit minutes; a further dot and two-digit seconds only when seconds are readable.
11.41
